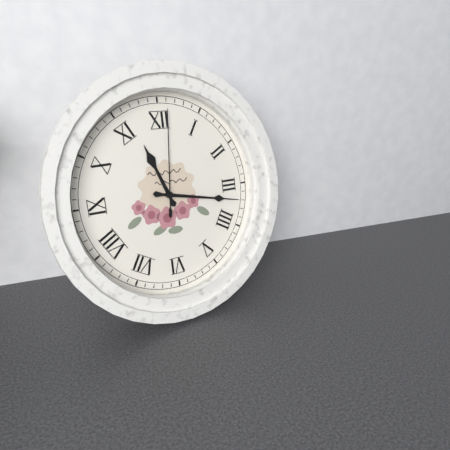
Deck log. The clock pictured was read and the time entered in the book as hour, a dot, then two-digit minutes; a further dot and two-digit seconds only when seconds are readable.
11.17.01
